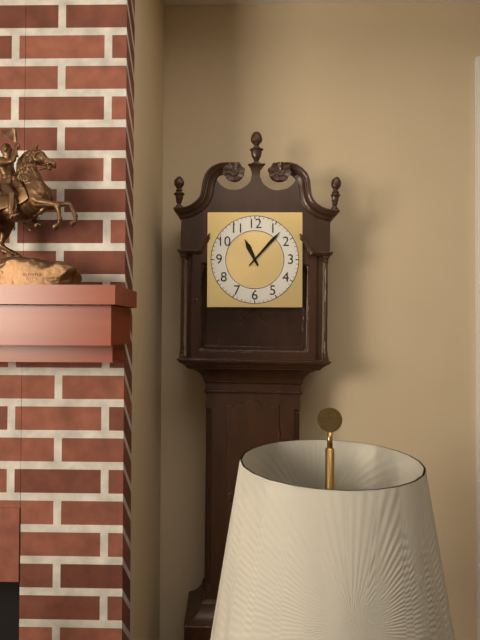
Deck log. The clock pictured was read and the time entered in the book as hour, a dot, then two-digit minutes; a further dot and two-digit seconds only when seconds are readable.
11.07
